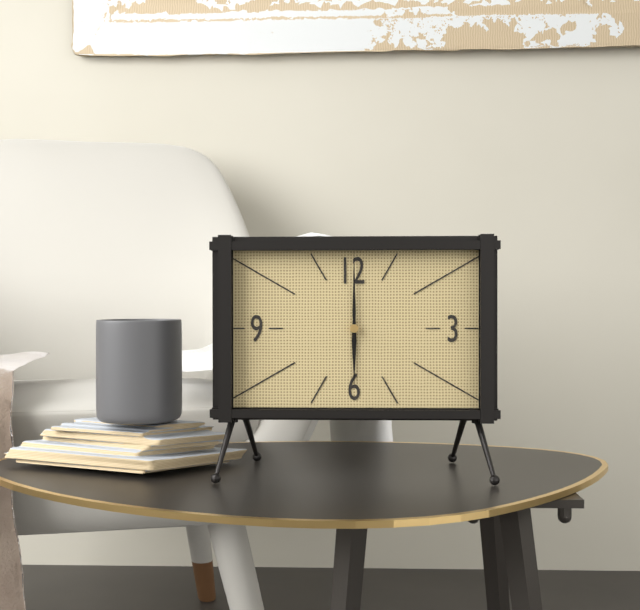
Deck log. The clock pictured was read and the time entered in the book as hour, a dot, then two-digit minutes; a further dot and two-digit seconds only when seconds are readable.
6.00
